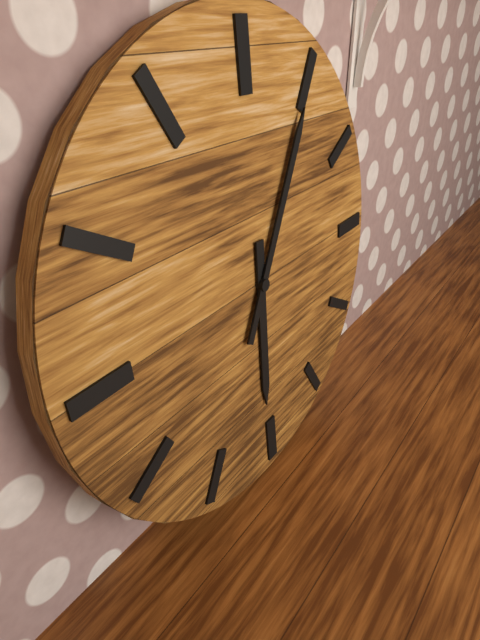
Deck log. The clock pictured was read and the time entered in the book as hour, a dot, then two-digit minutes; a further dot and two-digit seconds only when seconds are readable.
6.05
